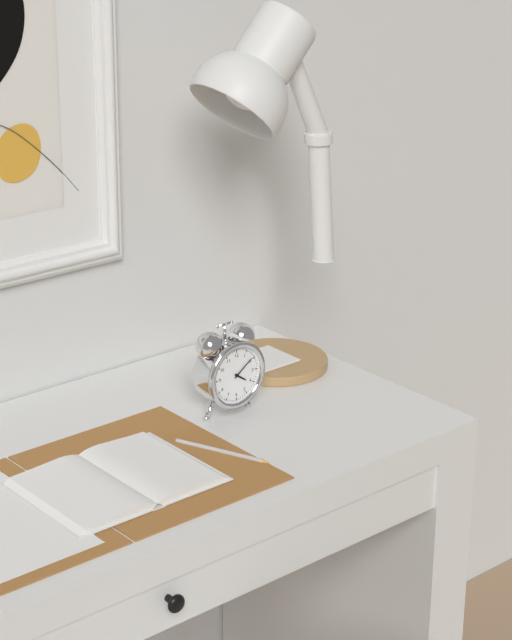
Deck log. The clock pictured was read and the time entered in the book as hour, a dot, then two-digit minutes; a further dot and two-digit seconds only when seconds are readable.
4.09
